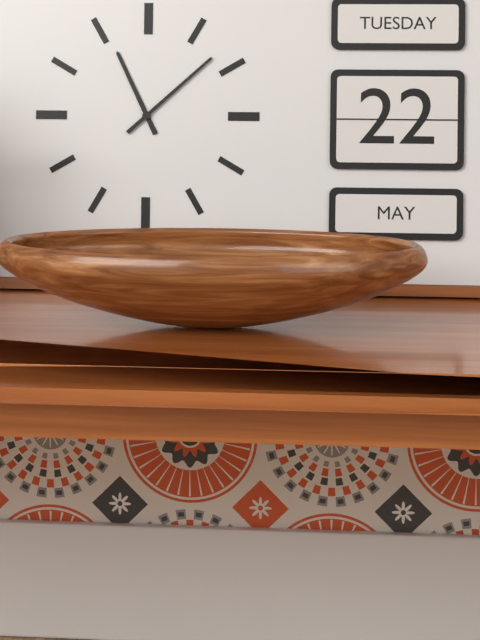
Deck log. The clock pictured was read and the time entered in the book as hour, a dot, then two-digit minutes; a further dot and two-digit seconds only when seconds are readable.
11.08
